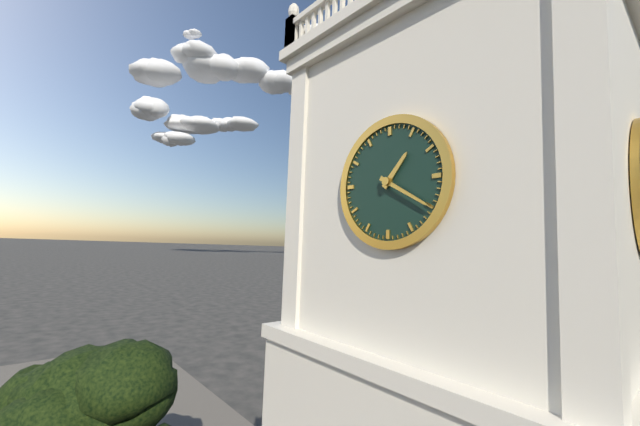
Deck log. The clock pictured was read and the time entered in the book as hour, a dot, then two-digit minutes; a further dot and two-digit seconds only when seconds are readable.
1.20
